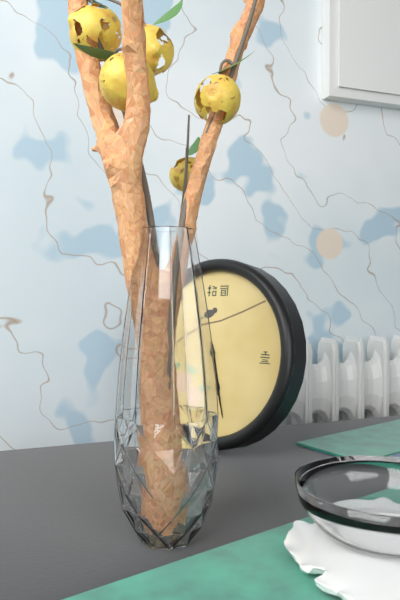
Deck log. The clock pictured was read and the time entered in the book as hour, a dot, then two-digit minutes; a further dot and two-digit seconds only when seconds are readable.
5.27
